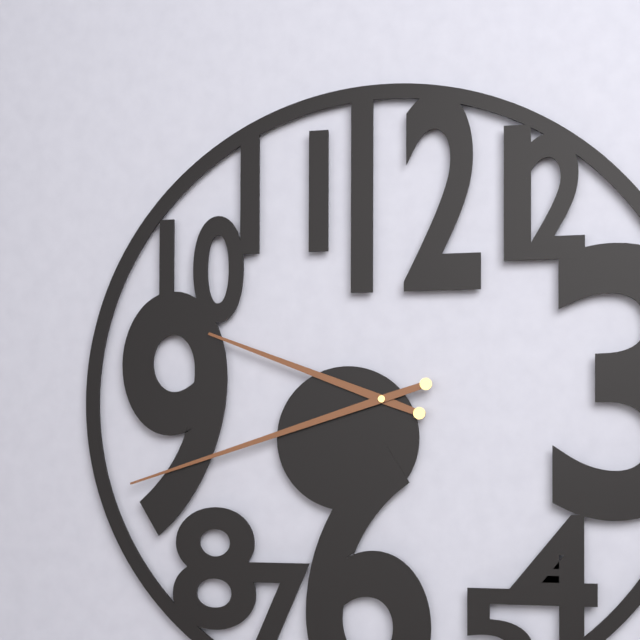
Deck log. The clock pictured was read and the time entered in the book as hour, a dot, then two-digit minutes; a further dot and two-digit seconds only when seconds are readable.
9.42
